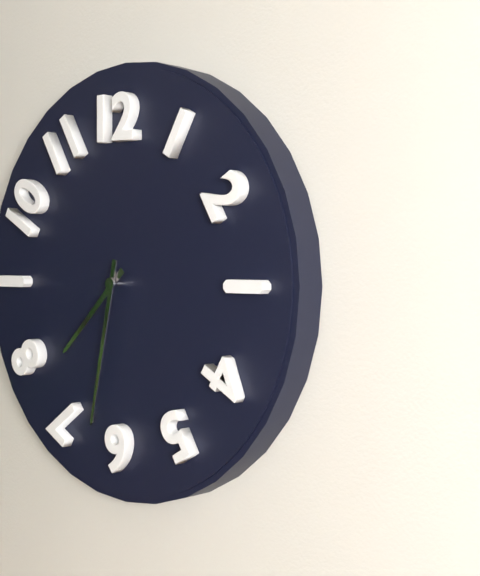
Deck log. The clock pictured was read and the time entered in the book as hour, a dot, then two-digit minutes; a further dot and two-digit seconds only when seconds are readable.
7.32
